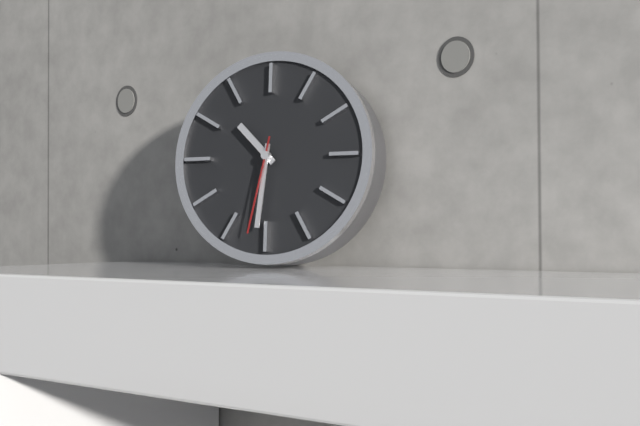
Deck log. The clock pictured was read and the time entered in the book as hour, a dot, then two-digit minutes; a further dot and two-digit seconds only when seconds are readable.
10.31.32
